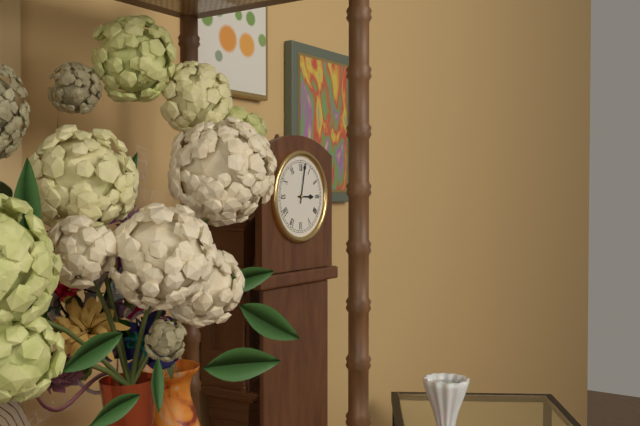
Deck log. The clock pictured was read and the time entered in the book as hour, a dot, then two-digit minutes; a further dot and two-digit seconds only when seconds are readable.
3.02
